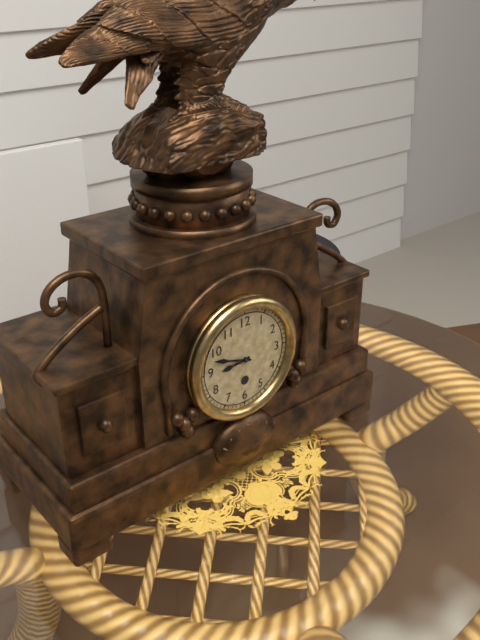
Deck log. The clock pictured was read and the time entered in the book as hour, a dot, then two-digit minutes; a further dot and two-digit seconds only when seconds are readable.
8.48
